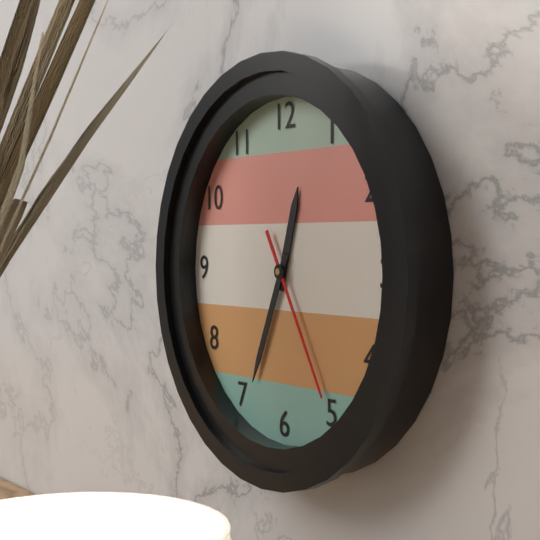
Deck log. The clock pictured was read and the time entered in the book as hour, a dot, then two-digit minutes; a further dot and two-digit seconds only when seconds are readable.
12.34.25
